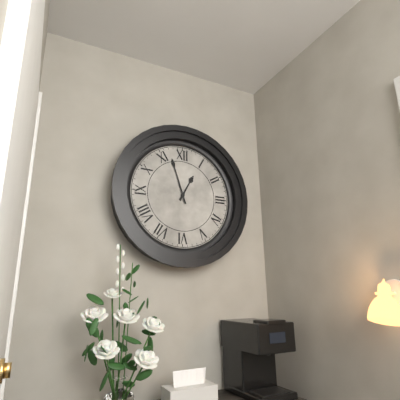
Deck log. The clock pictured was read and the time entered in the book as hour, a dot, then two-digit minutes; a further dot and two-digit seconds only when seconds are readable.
12.57
